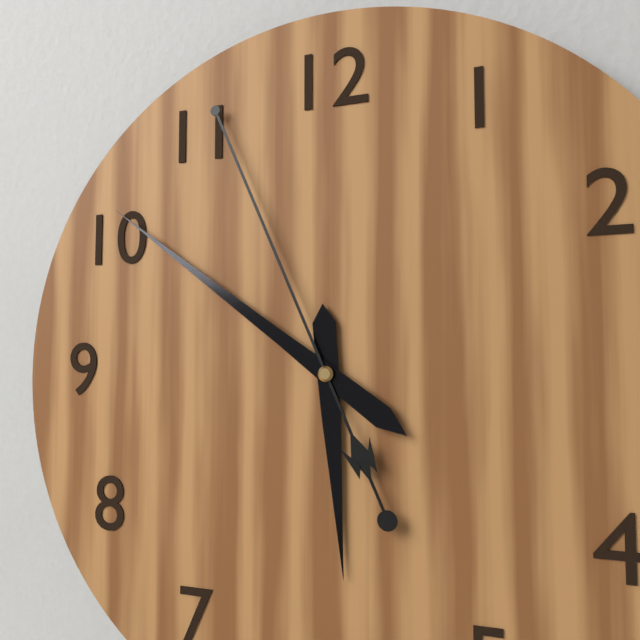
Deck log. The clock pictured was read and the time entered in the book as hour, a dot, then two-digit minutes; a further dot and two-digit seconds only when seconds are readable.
5.51.56
